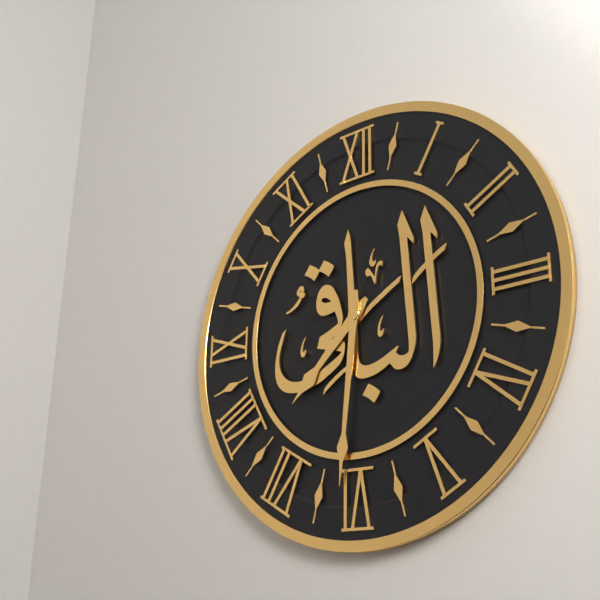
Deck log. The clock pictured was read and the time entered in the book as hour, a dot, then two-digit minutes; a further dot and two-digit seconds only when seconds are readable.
7.31
